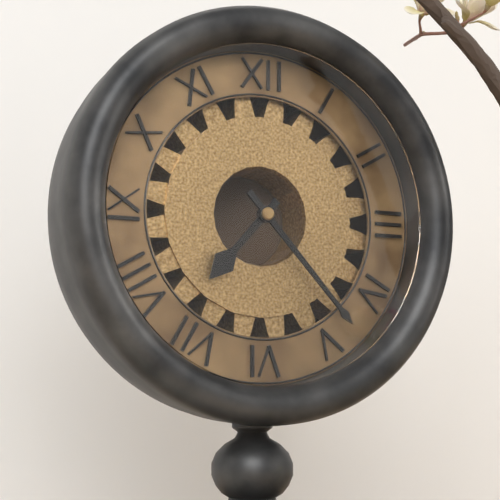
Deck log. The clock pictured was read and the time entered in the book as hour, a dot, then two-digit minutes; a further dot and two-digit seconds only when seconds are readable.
7.23
